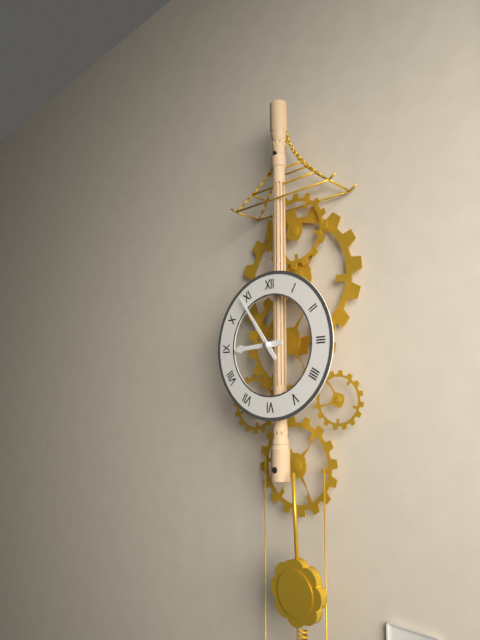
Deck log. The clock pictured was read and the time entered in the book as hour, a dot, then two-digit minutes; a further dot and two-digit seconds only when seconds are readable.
8.54
